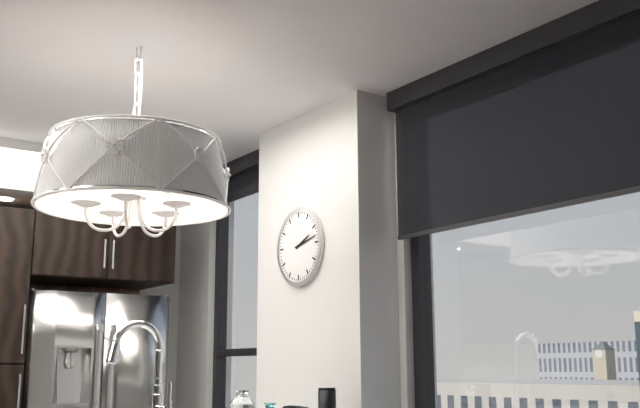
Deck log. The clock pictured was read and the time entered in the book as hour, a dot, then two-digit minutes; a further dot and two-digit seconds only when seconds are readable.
2.13
